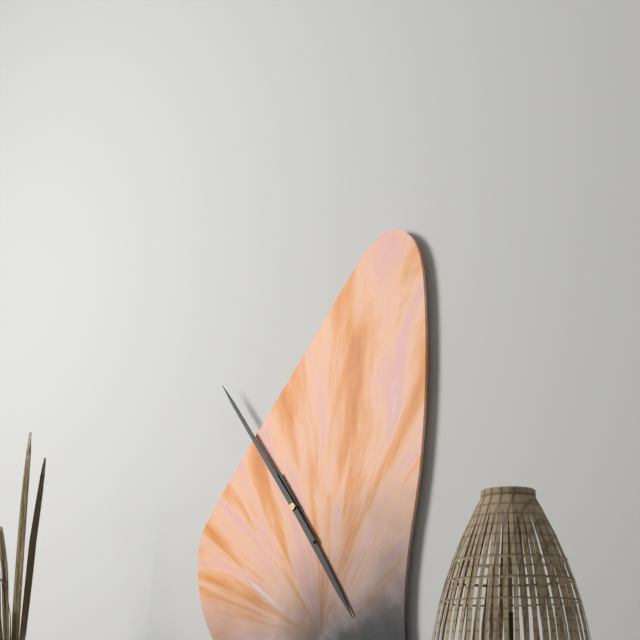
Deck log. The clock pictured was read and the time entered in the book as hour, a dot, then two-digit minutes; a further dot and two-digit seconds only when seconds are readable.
4.54
